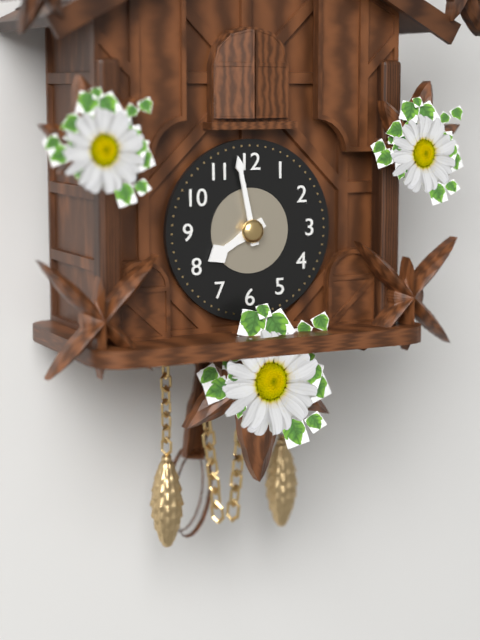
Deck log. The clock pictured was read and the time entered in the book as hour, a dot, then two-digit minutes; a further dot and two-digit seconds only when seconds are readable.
7.58
